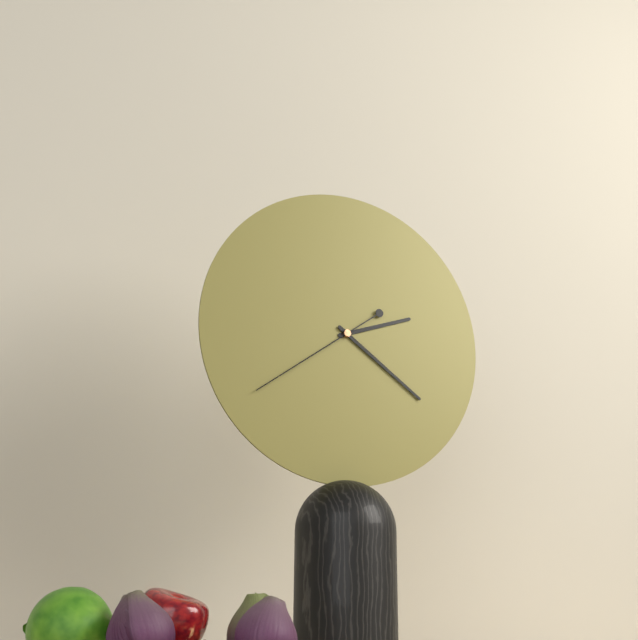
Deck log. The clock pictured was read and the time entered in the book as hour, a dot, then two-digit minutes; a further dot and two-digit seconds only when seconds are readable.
2.21.39
